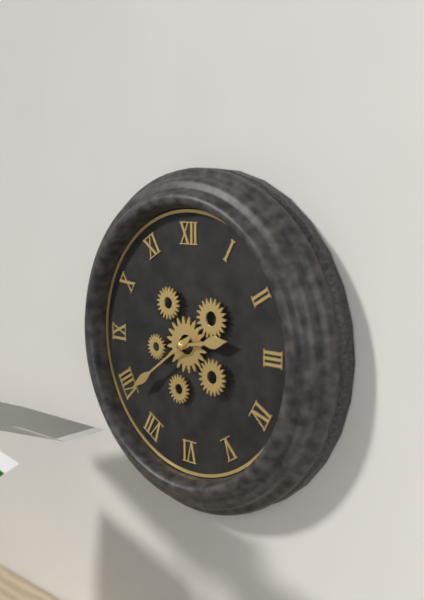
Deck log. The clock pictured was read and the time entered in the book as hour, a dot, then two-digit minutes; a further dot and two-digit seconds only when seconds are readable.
2.39
